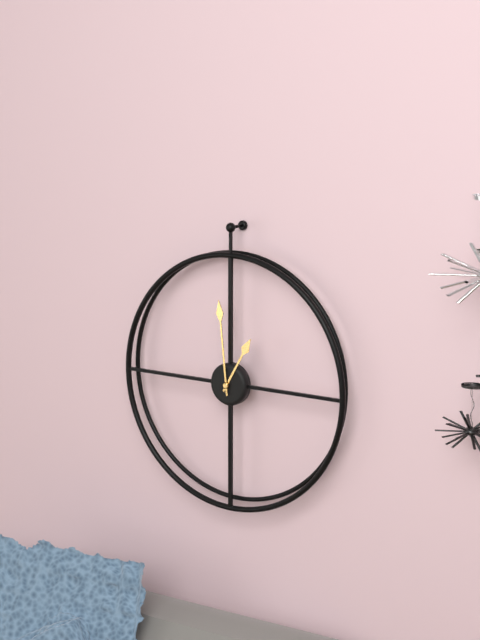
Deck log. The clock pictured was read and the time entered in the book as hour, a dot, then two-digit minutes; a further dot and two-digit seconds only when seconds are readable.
12.59
